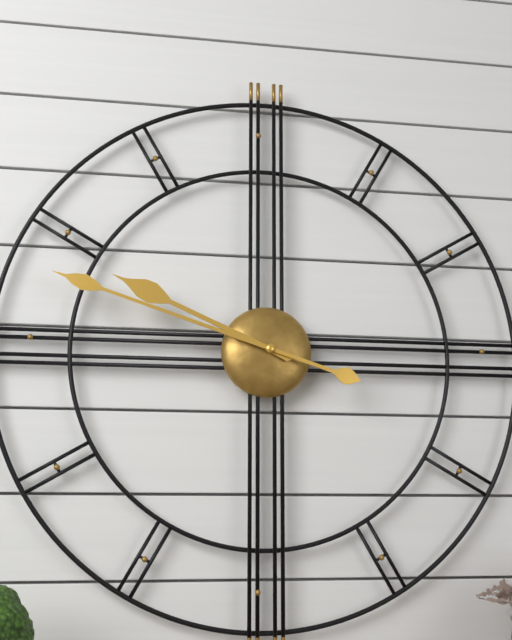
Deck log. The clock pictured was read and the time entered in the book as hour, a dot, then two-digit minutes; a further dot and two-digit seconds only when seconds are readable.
9.48
